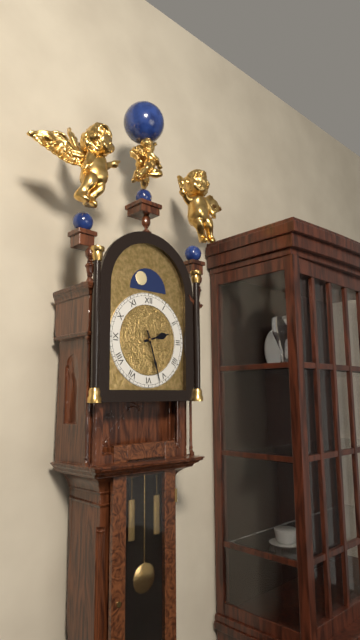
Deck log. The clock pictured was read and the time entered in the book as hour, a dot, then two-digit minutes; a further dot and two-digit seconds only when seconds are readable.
2.27
